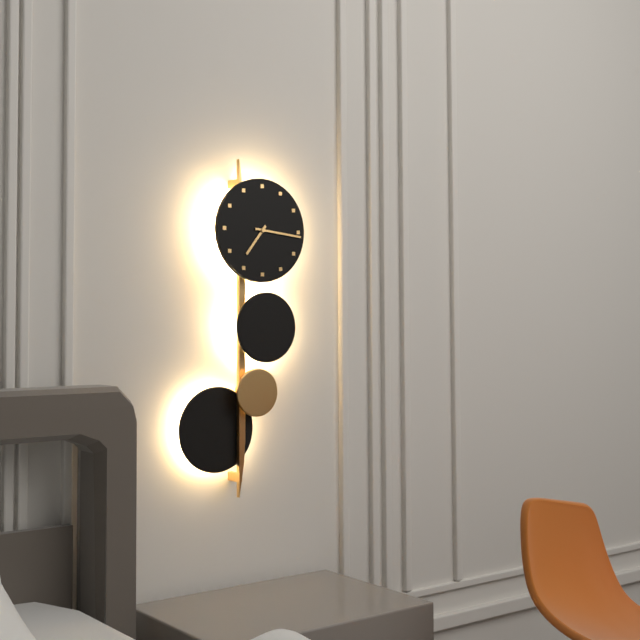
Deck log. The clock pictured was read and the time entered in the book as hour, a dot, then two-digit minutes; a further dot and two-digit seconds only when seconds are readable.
7.16
